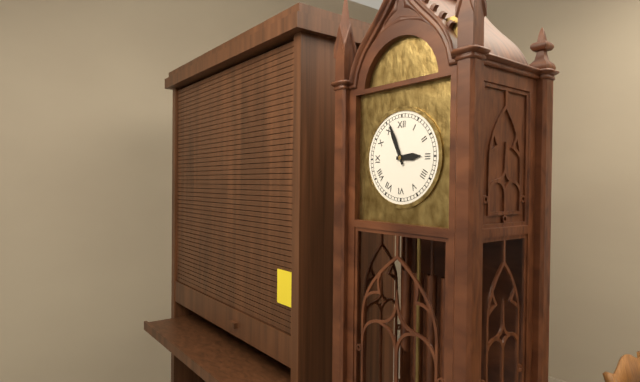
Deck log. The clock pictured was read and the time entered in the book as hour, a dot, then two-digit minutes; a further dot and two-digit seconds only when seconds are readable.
2.56
